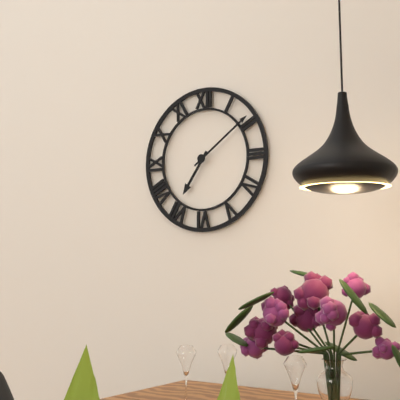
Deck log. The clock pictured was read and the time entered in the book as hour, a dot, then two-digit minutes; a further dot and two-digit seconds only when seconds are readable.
7.09
